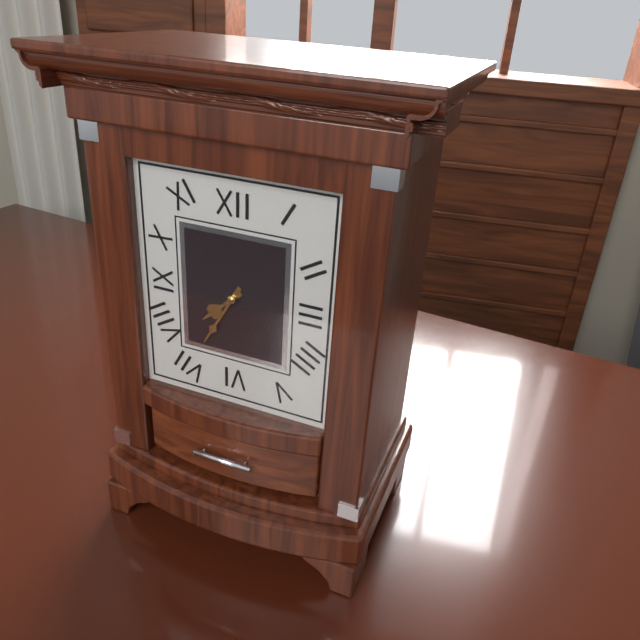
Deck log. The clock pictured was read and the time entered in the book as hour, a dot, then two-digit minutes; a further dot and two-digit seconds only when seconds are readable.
7.35
